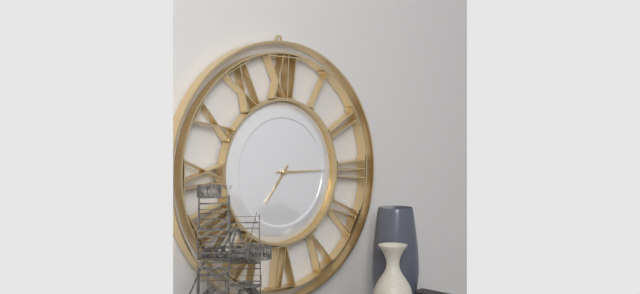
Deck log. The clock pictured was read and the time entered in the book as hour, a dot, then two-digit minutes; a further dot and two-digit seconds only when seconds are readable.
7.15
